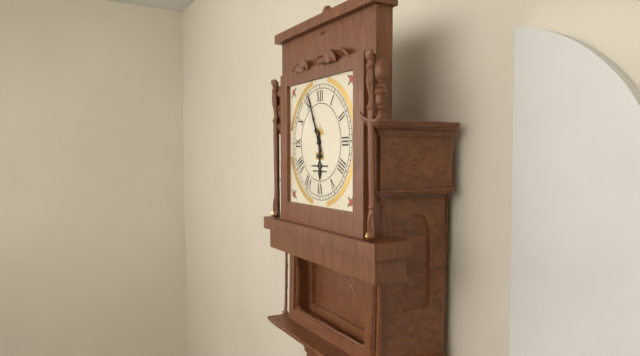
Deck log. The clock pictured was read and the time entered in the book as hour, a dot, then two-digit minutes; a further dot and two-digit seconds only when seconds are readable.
5.56
